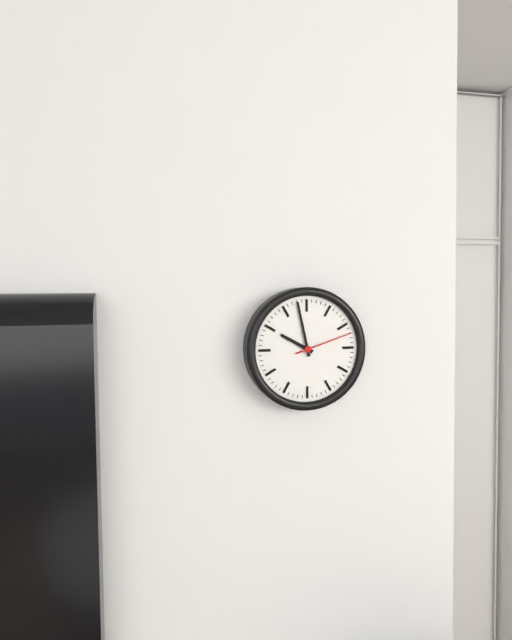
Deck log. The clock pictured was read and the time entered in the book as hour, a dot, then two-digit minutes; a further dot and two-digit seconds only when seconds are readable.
9.58.12
